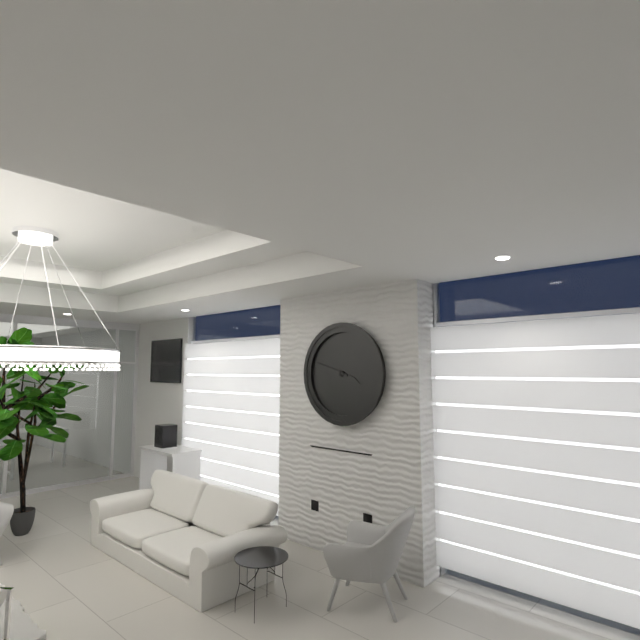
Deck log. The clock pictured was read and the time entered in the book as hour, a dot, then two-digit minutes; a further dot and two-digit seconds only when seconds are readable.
3.48
